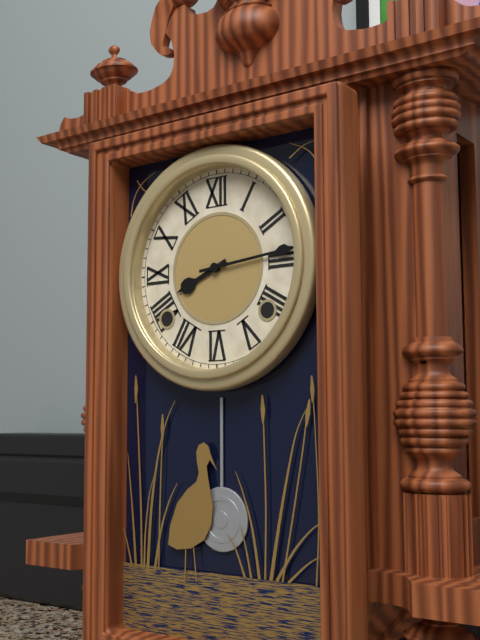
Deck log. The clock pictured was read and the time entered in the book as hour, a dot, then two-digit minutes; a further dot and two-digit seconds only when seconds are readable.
8.14
